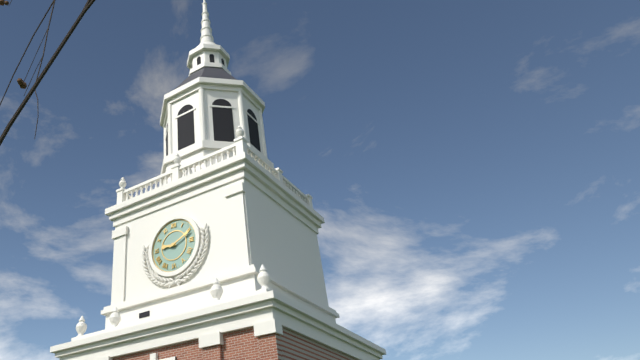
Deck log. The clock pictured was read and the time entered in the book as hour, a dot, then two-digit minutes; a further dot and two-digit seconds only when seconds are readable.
9.11
